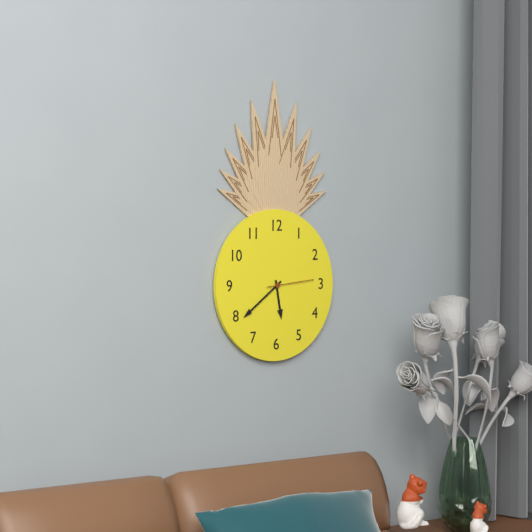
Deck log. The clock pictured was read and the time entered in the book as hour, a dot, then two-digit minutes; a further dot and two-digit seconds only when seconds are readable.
5.39
